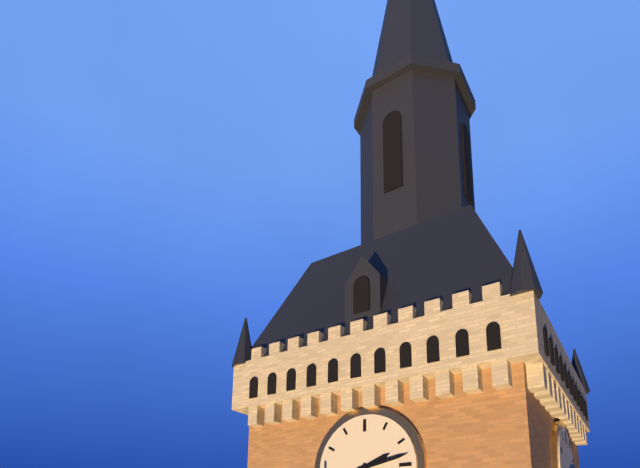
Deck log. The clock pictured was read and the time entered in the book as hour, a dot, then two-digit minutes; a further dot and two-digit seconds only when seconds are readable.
2.13
